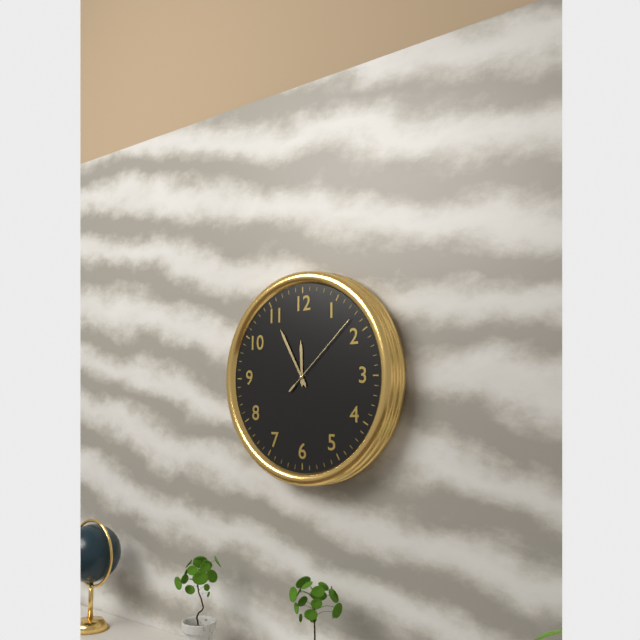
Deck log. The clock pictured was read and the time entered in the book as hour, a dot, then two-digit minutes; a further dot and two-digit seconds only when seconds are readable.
11.55.08
